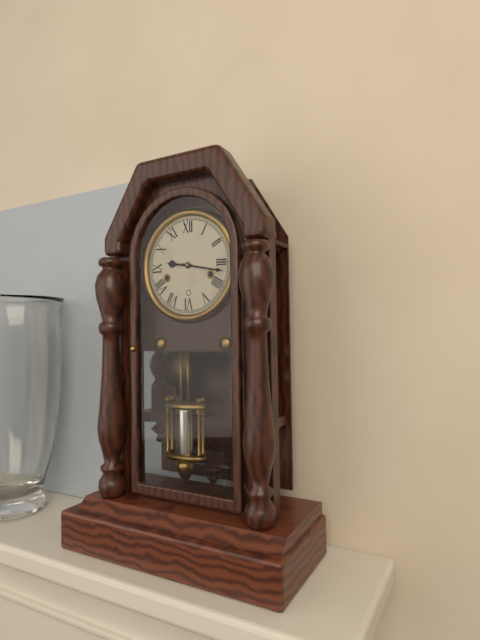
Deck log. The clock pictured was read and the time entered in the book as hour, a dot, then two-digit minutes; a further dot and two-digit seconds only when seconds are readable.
9.17
